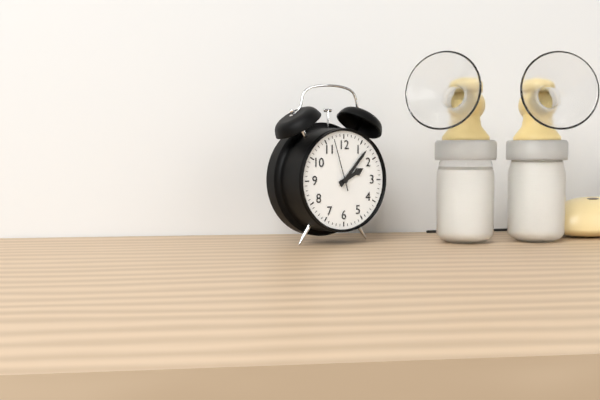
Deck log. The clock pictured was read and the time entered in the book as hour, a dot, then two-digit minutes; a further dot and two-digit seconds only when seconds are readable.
2.07.57
